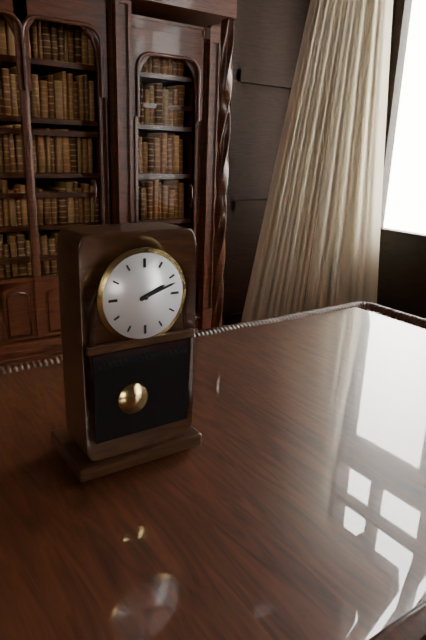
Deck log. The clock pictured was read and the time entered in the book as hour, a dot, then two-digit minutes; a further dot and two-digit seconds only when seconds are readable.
2.12
